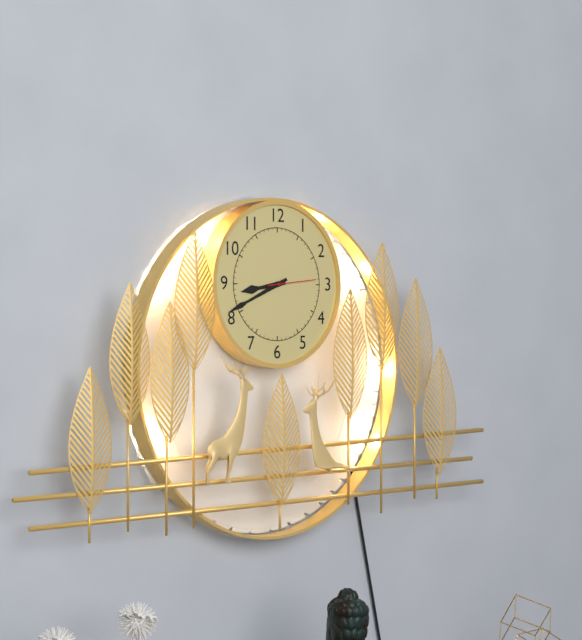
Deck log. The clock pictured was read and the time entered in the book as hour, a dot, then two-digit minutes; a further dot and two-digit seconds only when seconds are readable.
8.41.14
